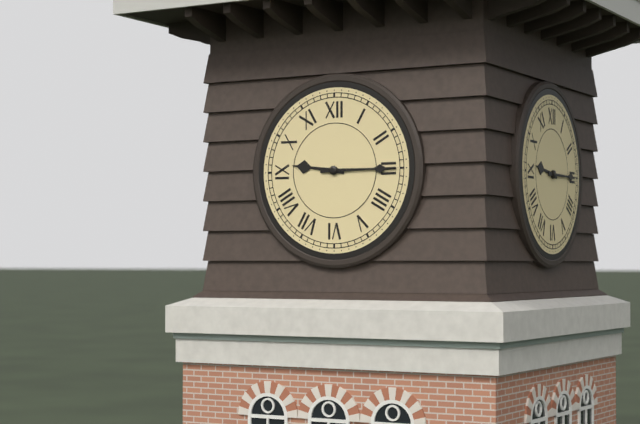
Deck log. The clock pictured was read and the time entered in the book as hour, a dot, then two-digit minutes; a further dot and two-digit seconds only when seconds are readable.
9.15
